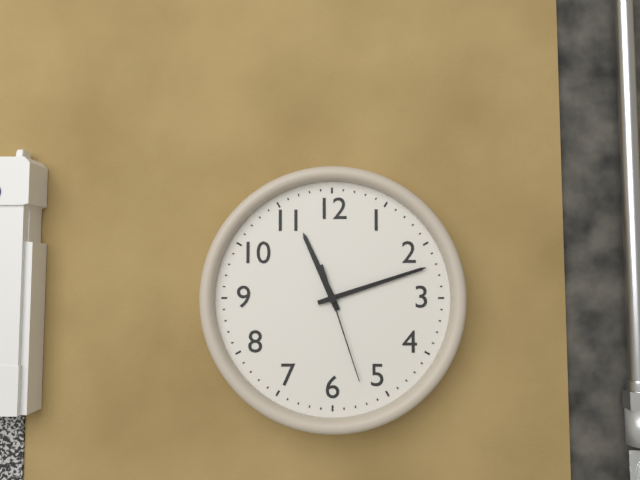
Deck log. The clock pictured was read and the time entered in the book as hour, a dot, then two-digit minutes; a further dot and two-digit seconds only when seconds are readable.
11.12.27
